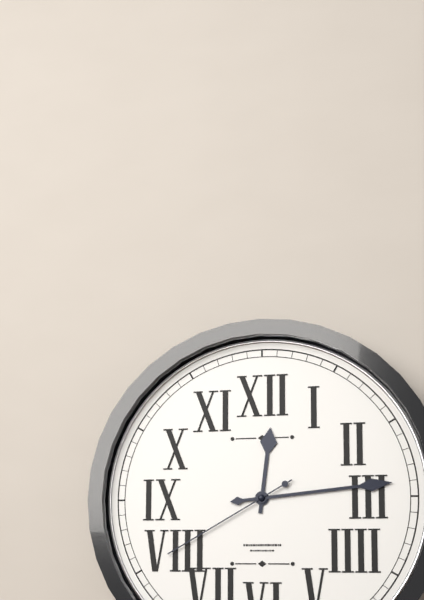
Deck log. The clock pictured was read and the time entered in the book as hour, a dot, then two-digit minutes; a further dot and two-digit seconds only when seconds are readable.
12.14.40
